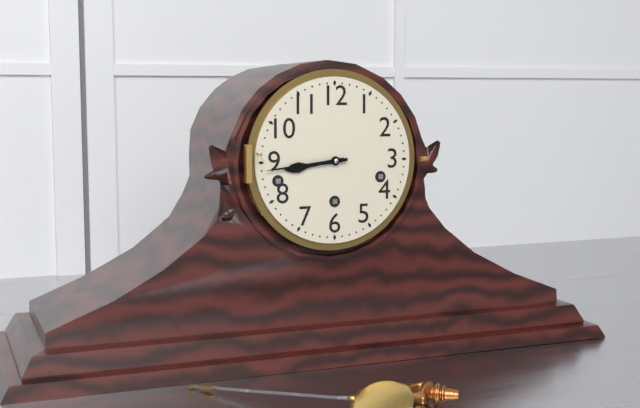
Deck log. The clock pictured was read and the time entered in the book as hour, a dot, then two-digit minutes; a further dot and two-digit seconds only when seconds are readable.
8.44
